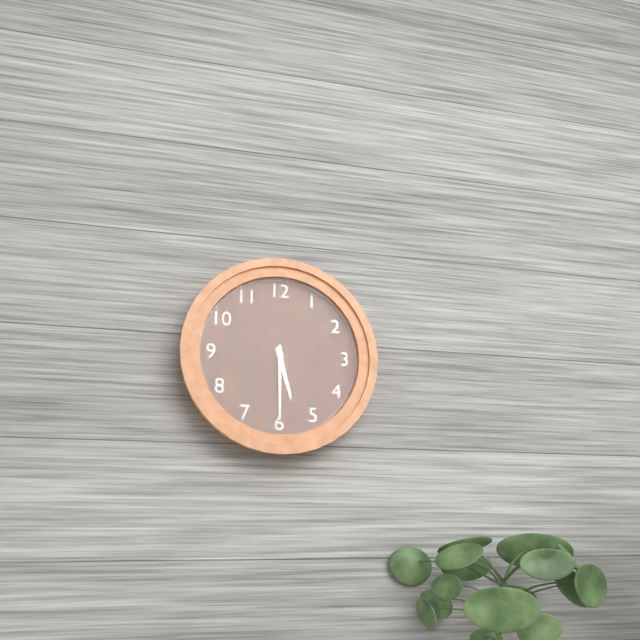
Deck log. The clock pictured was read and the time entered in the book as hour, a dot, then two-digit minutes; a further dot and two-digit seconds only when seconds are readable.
5.30
